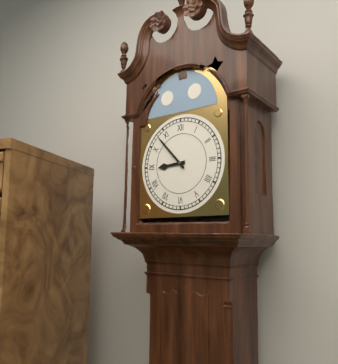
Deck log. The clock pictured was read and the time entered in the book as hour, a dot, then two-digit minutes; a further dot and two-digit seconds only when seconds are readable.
8.53
